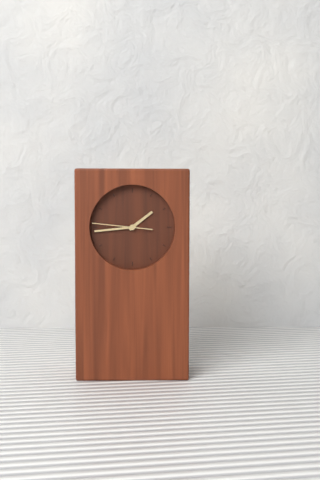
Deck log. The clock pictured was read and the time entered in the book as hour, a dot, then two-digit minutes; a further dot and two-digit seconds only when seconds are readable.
1.44.46
